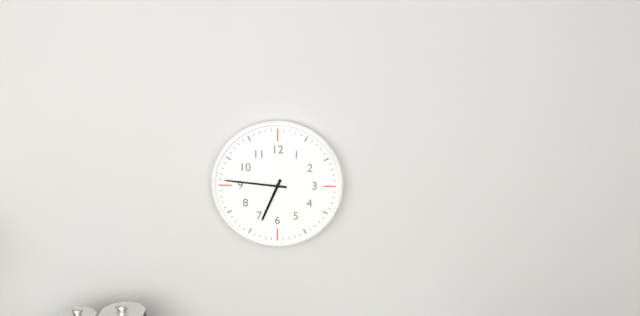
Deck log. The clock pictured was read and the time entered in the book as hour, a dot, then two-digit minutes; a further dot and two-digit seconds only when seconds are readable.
6.46
